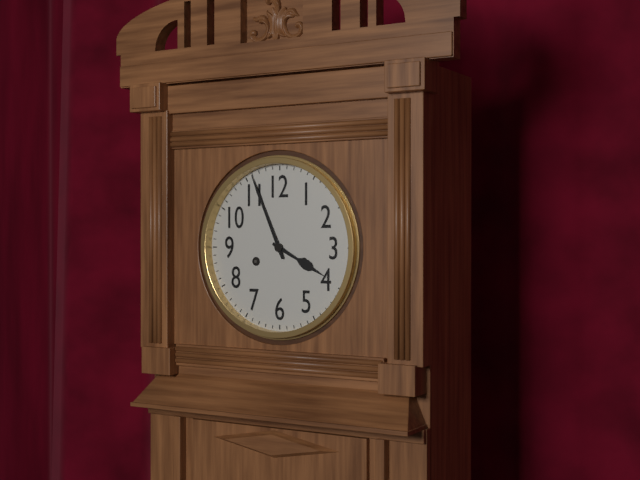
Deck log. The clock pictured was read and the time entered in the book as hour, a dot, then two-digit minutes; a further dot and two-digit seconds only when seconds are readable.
3.56
